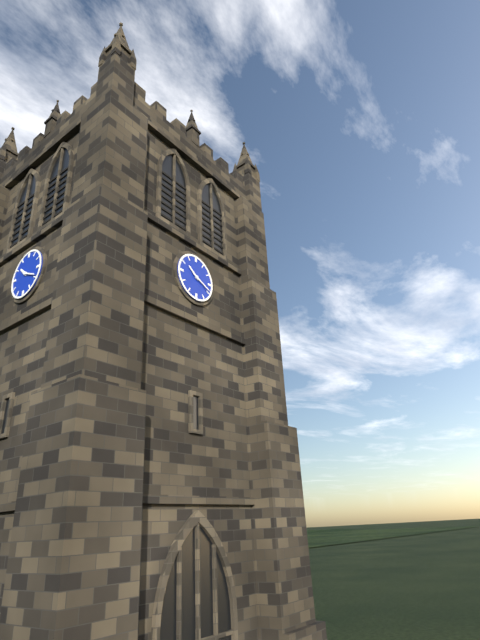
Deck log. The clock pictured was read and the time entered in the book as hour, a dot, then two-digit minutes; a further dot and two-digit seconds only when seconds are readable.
10.19
